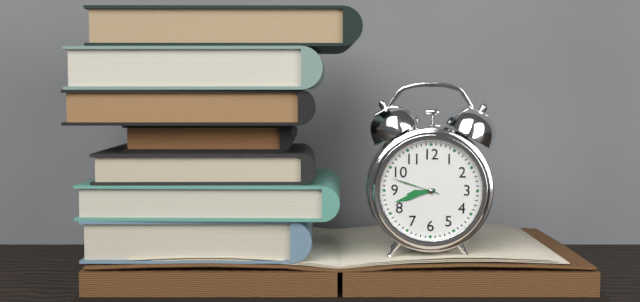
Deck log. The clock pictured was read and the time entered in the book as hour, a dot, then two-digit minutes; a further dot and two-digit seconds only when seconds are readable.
8.42.48
